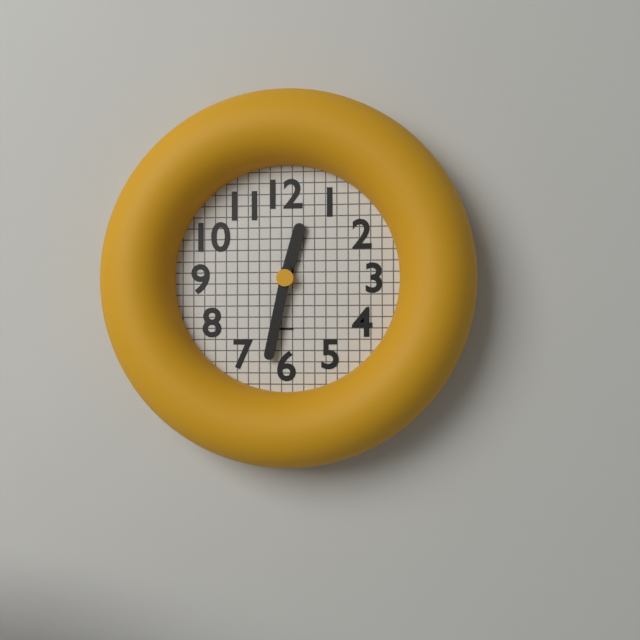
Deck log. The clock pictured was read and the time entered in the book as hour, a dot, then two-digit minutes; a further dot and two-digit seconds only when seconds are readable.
12.32
